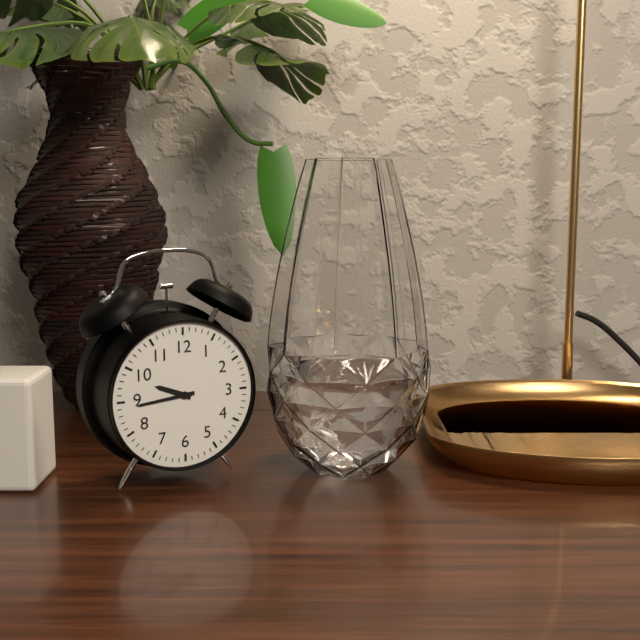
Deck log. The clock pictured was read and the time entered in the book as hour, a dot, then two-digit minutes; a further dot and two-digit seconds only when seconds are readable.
9.44
